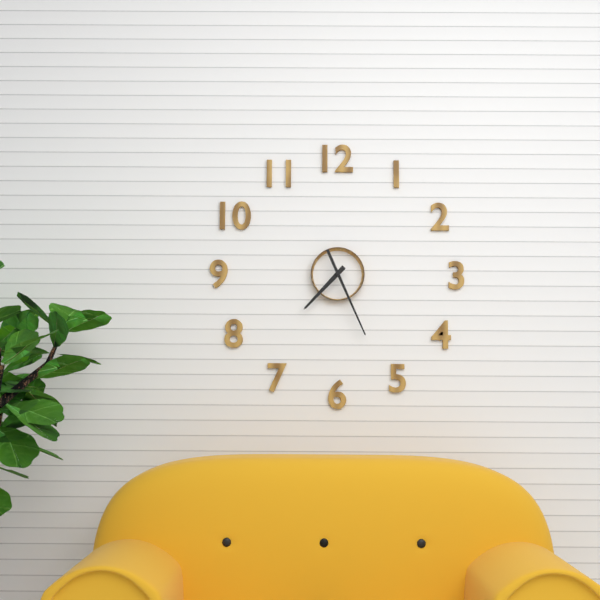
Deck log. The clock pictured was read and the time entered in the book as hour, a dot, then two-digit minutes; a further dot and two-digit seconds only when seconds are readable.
7.26
